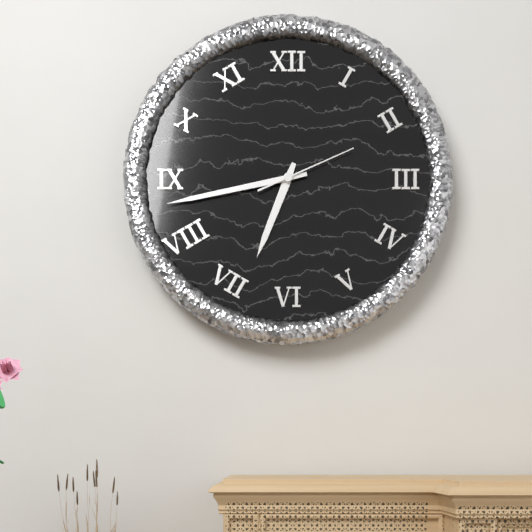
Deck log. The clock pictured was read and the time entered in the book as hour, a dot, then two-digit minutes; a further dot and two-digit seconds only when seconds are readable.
6.43.11
